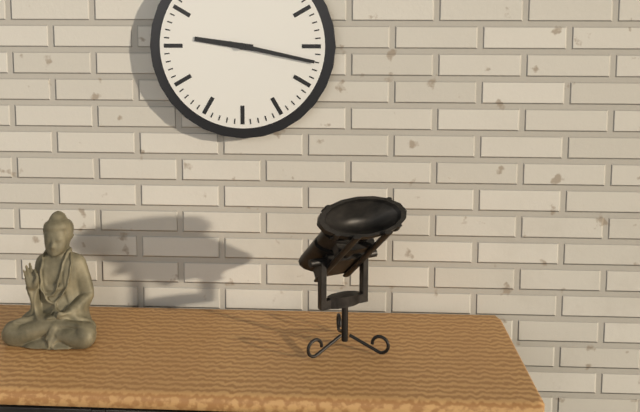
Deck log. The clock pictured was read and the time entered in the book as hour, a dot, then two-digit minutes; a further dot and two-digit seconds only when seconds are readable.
9.17
